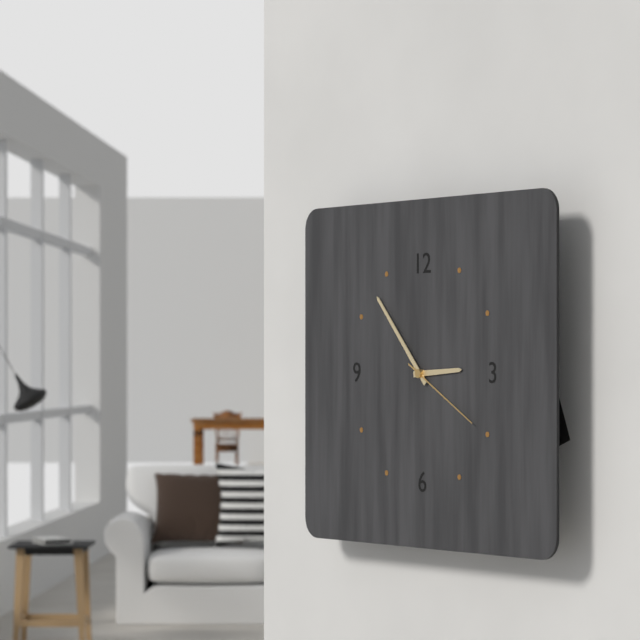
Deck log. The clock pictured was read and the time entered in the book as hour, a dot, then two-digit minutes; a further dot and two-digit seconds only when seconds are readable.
2.53.20
